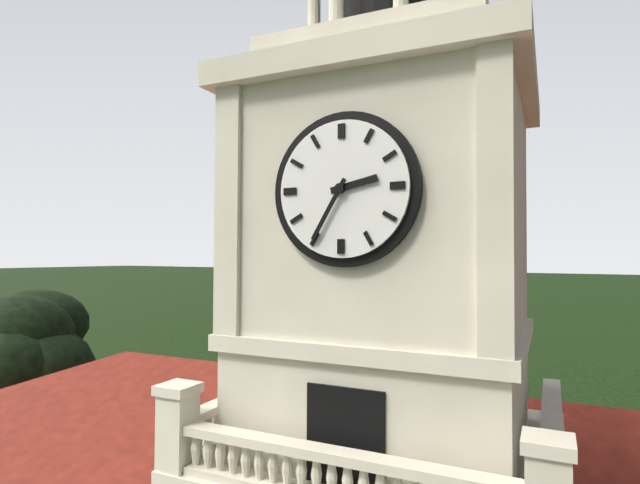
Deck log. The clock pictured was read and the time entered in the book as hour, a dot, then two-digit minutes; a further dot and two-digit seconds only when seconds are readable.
2.35
